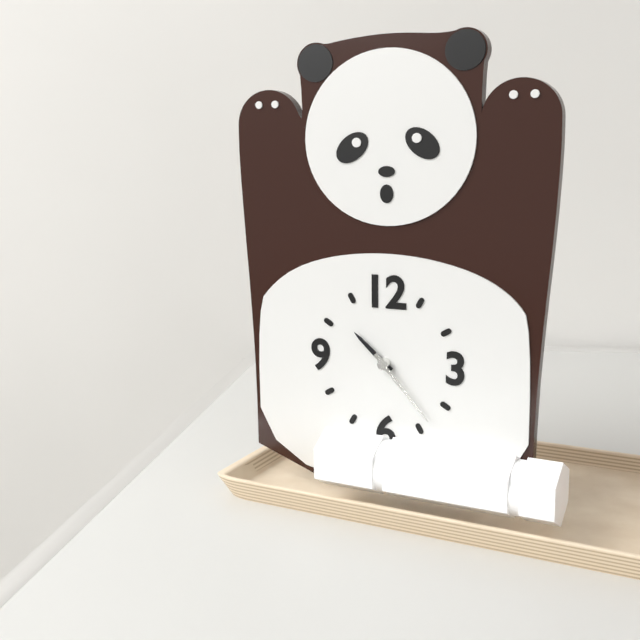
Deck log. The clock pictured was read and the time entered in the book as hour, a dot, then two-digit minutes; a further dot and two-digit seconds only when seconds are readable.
10.23
